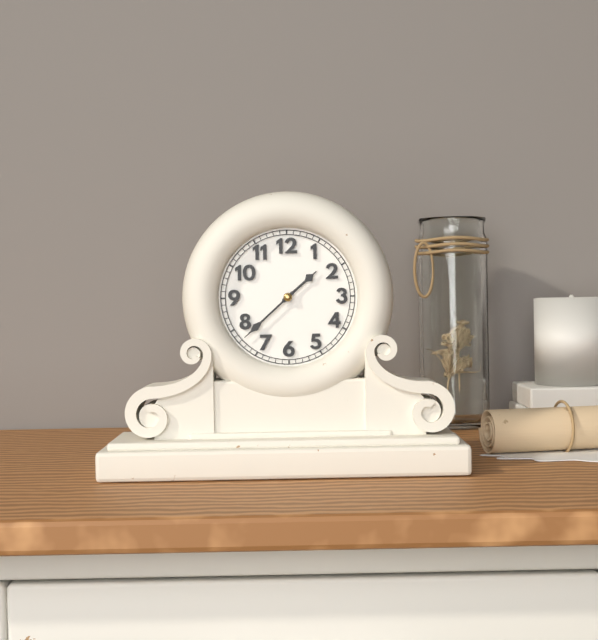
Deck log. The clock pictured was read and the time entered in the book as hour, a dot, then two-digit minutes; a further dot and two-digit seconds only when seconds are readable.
1.38
